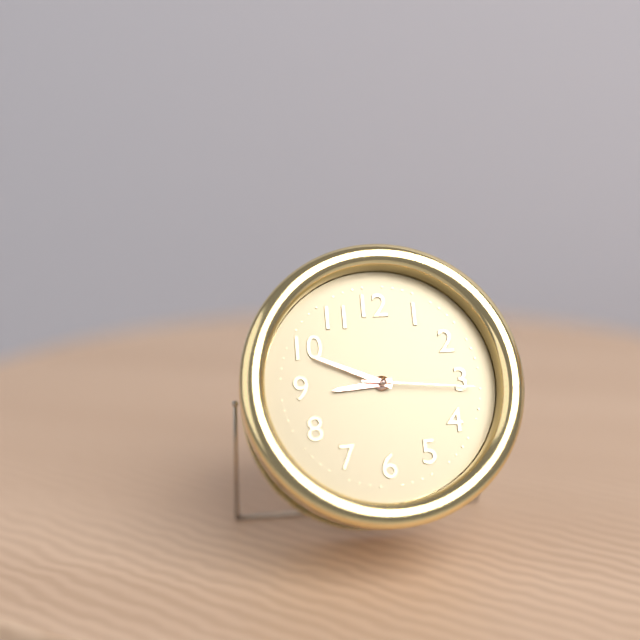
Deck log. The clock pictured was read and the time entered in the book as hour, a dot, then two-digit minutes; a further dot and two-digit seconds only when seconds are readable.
8.49.16
